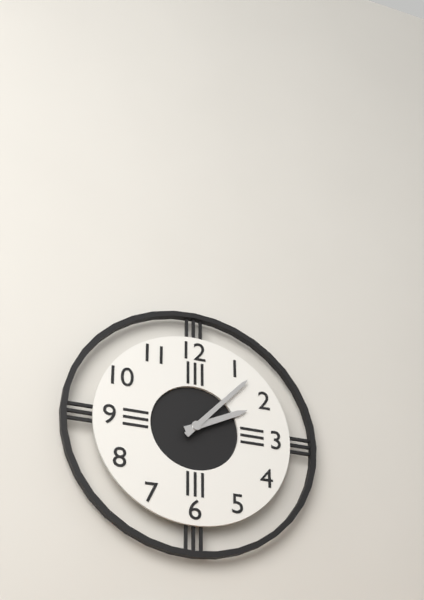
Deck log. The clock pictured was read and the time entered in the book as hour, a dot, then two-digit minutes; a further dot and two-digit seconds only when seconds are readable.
2.07
